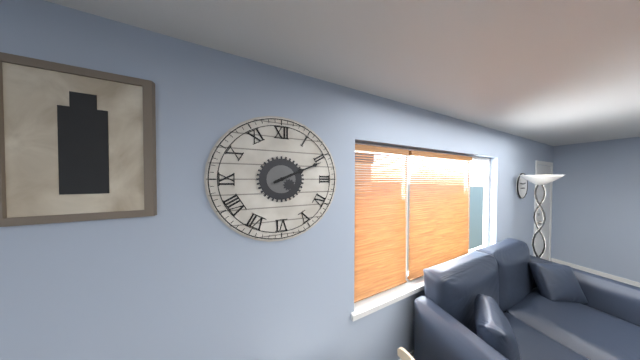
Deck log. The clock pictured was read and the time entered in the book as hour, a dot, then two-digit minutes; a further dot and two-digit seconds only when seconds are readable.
2.11
